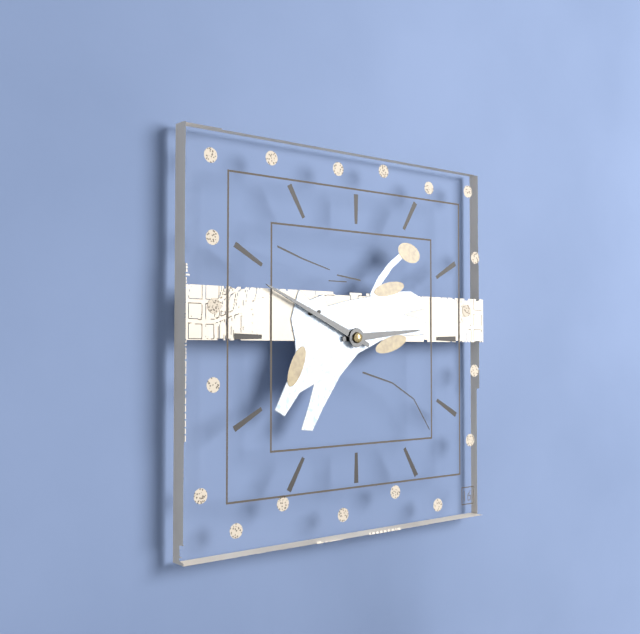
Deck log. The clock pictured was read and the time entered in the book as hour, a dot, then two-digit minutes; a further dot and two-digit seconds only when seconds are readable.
2.49
